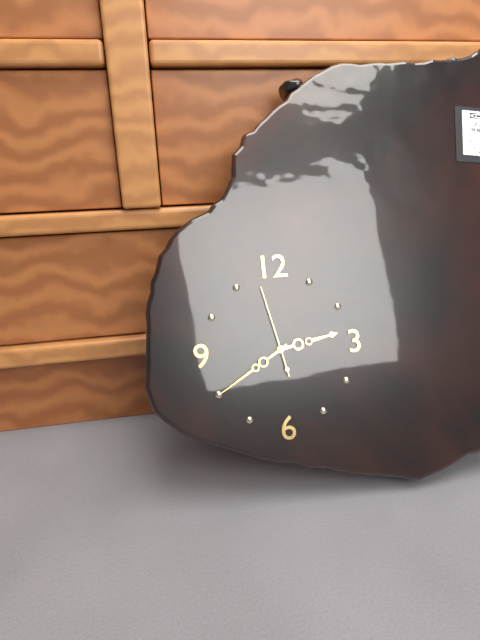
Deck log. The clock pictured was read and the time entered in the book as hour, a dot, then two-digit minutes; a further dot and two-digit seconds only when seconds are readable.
2.40.58
